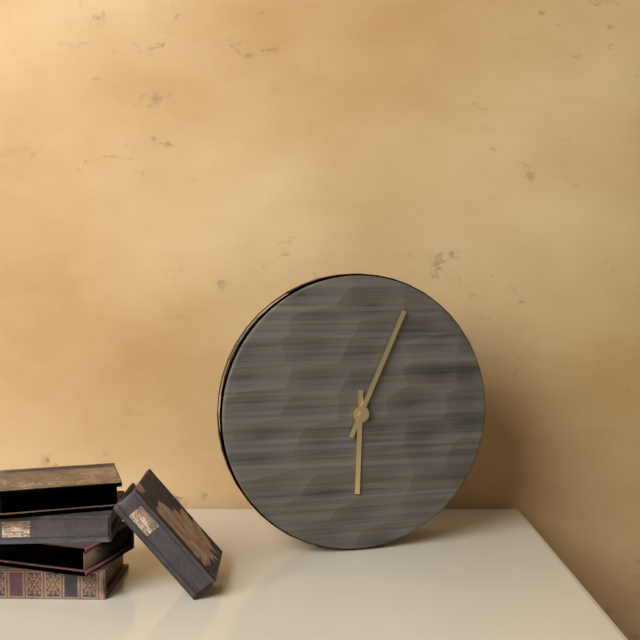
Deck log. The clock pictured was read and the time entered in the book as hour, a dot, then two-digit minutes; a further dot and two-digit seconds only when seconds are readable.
6.04
